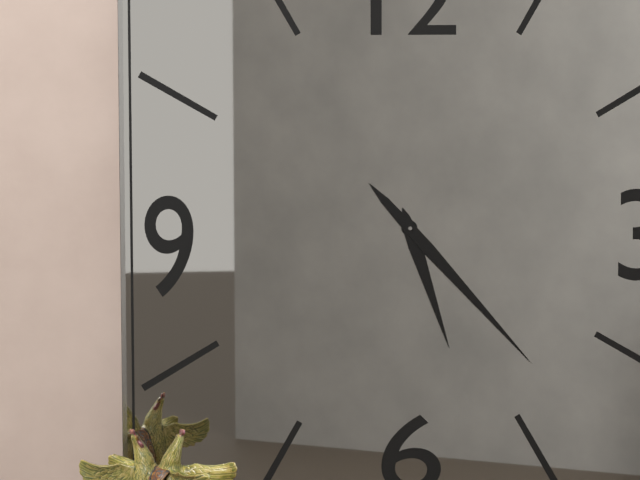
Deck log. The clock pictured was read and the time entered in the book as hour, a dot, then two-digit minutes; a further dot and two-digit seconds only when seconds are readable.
5.23
